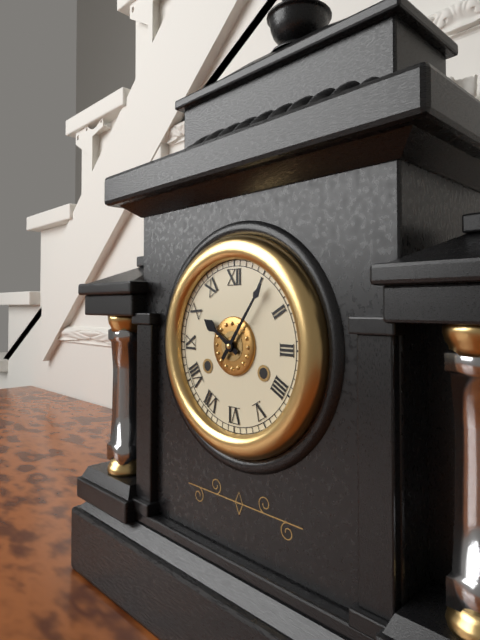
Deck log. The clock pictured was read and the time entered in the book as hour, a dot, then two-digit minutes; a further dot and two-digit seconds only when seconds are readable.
10.06
